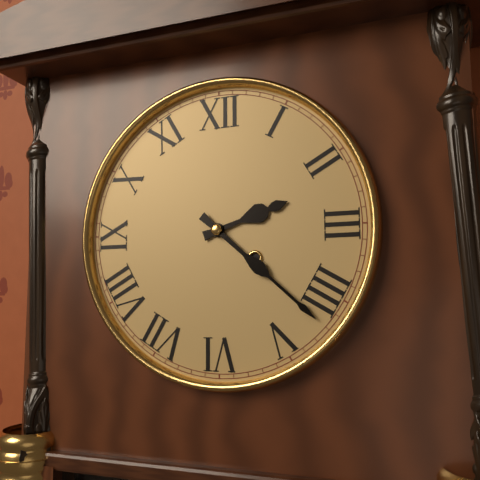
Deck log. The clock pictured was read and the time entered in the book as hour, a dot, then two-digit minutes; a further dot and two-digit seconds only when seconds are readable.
2.22
